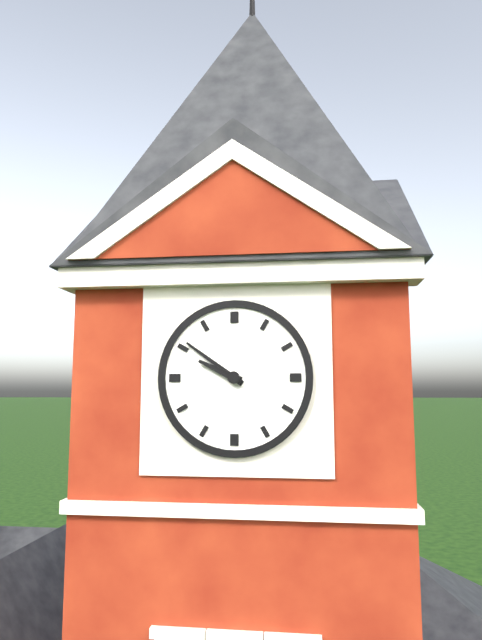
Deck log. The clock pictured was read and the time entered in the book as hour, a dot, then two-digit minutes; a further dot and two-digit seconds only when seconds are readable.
9.51
